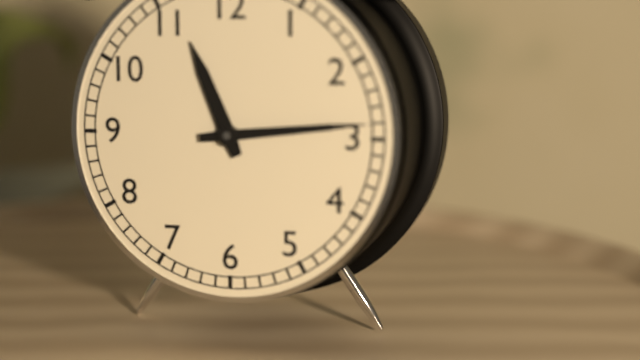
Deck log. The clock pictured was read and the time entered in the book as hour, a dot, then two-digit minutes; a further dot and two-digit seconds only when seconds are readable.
11.14
